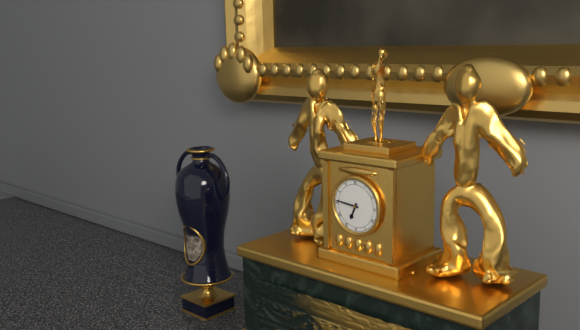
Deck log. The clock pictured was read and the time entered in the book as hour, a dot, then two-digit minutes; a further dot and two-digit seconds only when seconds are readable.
6.46
